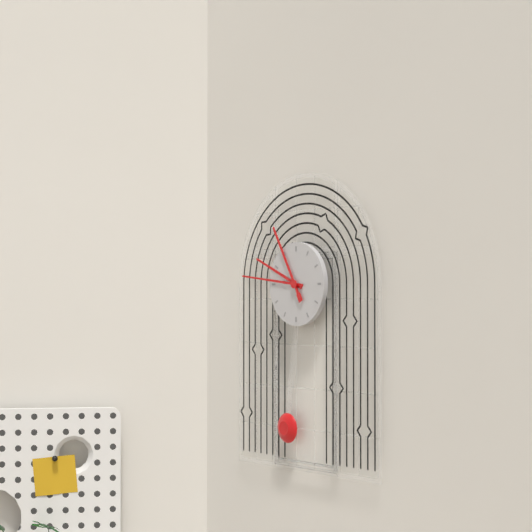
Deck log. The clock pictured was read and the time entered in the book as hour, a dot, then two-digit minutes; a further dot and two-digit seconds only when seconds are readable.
9.46.55
